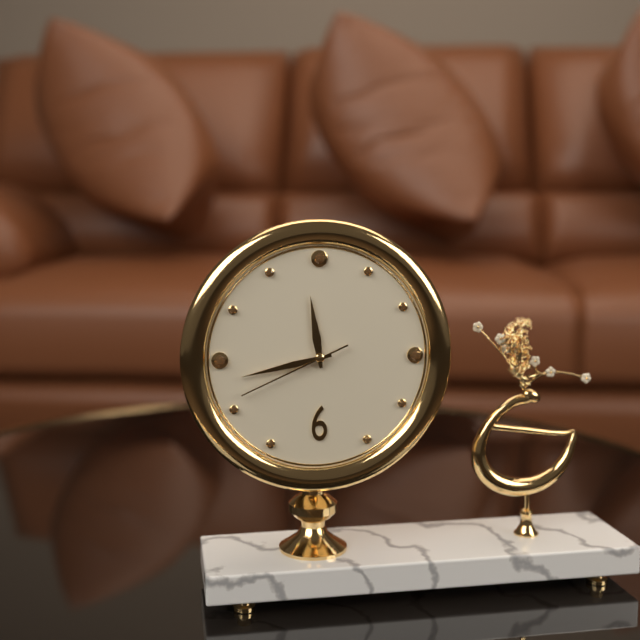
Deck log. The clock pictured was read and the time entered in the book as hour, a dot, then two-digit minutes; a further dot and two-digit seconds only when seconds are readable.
11.43.41
